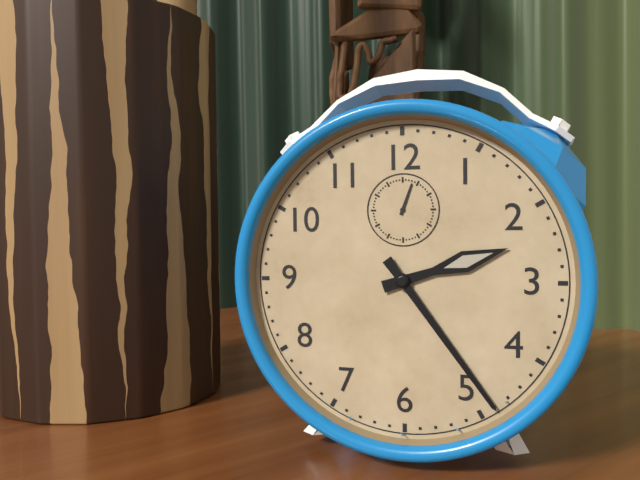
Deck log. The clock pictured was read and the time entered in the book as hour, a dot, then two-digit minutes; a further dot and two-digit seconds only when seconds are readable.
2.24
